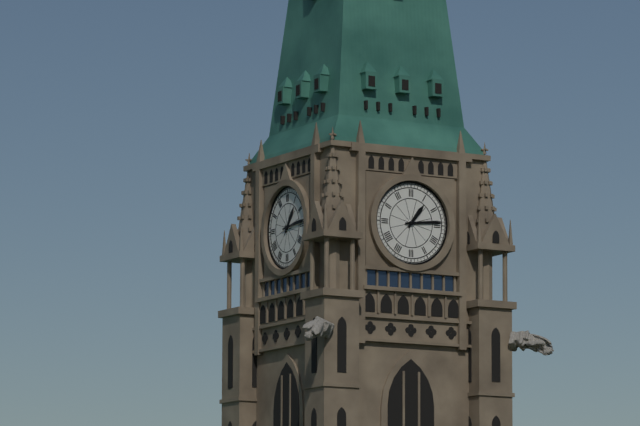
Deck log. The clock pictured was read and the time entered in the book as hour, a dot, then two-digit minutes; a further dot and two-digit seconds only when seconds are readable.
1.14
